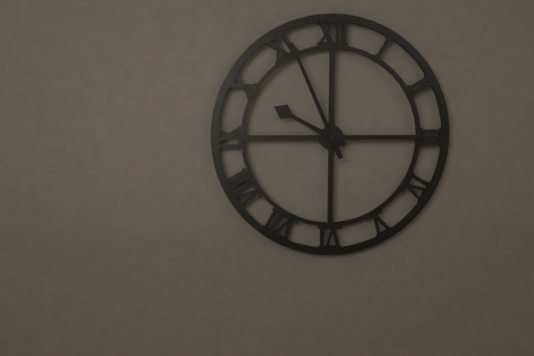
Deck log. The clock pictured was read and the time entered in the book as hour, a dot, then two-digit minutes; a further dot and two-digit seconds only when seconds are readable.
9.56
